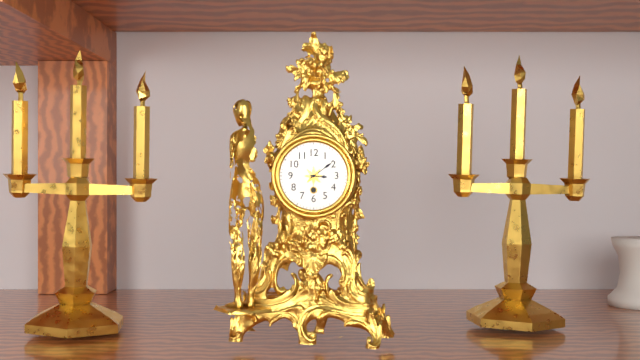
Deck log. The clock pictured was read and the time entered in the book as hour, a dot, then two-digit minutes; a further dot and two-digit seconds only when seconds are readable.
3.09
